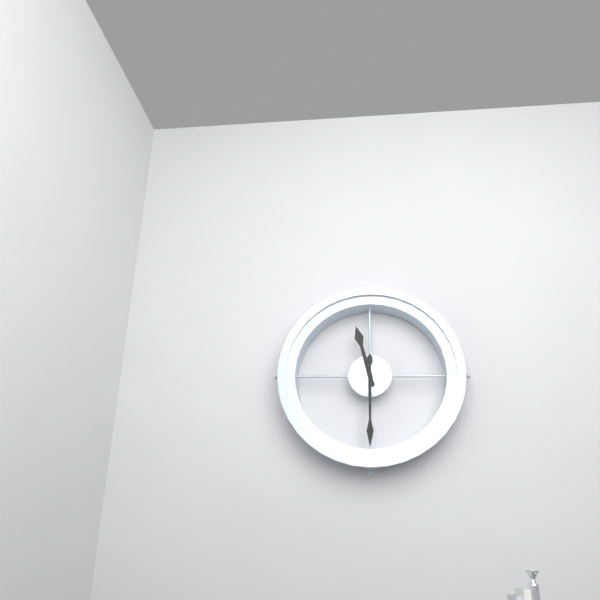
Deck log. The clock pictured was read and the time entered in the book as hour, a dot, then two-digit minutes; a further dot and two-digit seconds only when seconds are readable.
11.30
